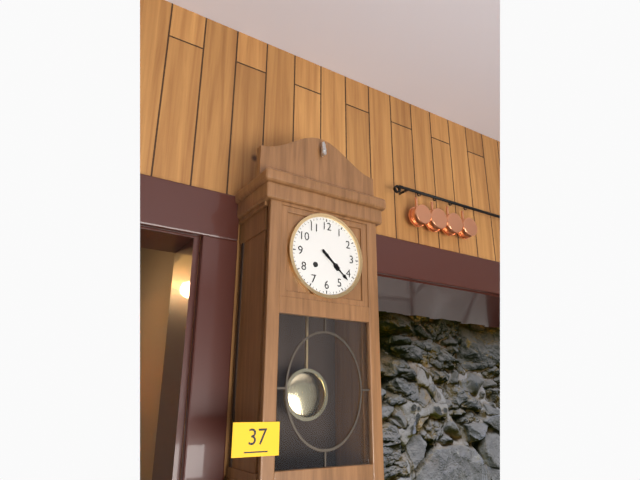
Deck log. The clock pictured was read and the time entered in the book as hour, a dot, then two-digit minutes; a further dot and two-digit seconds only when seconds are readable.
4.22
